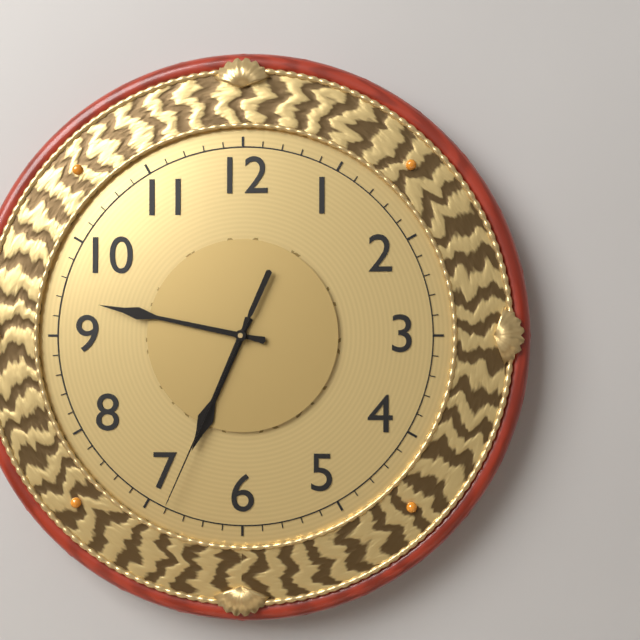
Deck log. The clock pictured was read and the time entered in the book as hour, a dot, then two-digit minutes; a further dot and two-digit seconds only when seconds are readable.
6.47.34
